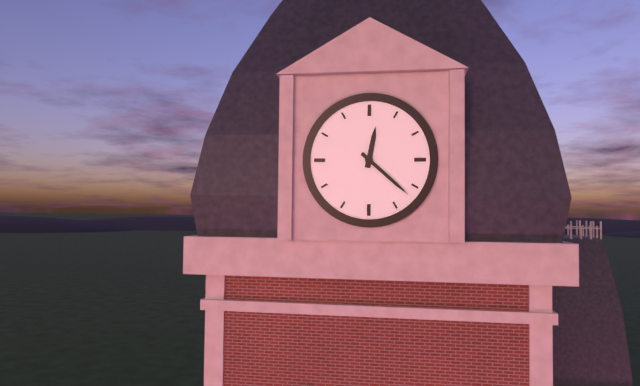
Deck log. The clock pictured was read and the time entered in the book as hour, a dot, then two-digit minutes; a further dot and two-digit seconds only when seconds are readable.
12.22
